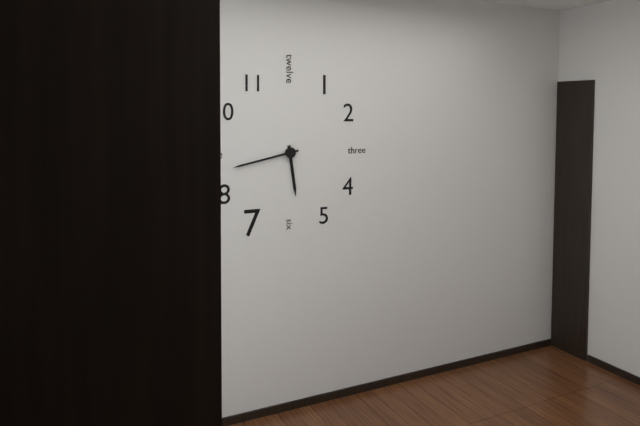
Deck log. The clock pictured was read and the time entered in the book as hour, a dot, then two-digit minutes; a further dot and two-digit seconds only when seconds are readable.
5.43
